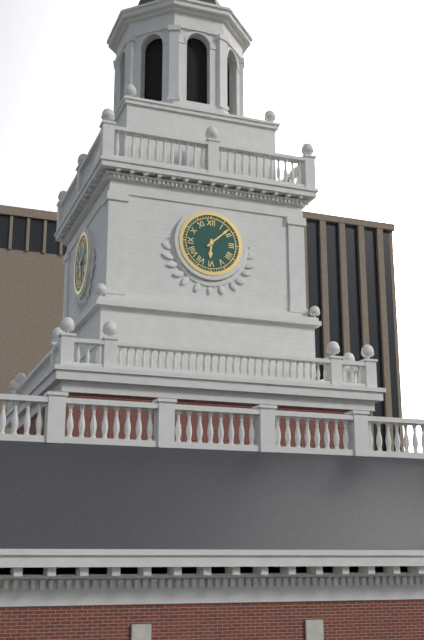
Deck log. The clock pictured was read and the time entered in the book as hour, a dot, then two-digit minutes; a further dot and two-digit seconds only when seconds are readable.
6.08
